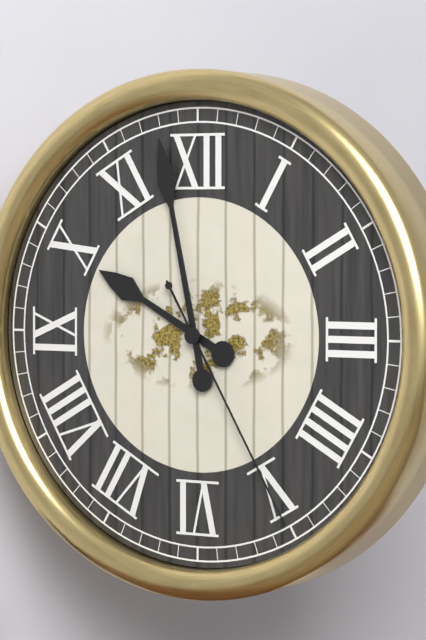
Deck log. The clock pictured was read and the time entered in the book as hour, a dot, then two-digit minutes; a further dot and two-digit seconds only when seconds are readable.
9.58.25
